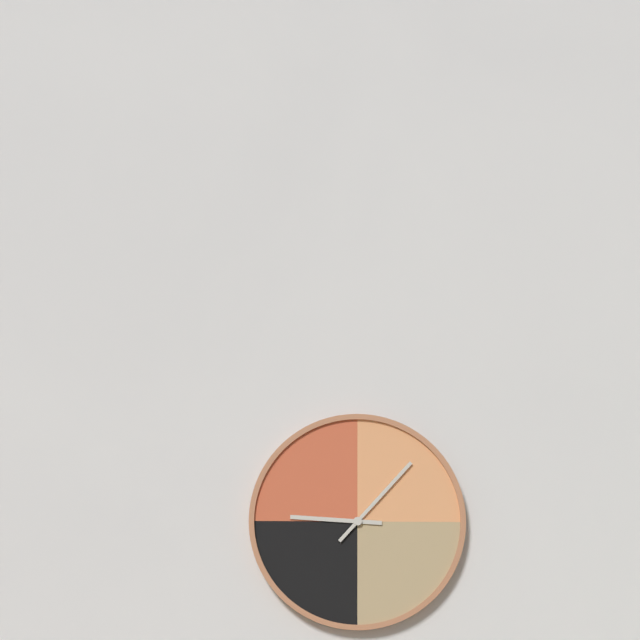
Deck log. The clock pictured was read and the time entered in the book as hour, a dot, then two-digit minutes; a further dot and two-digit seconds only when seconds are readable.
9.07
